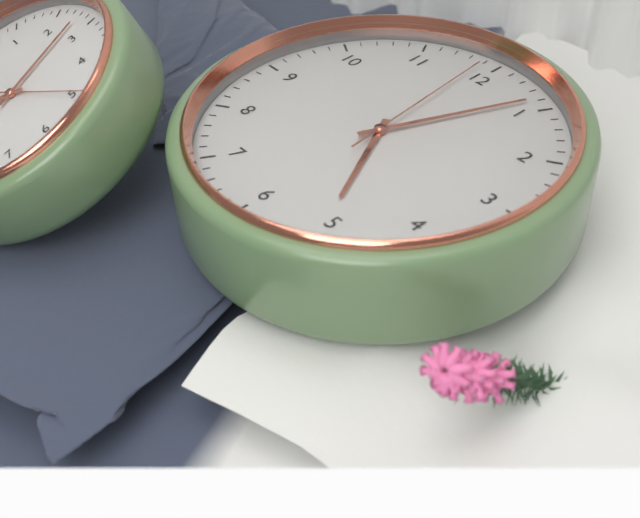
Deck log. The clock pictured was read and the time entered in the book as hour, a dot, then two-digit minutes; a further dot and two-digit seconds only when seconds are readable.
5.04.59
